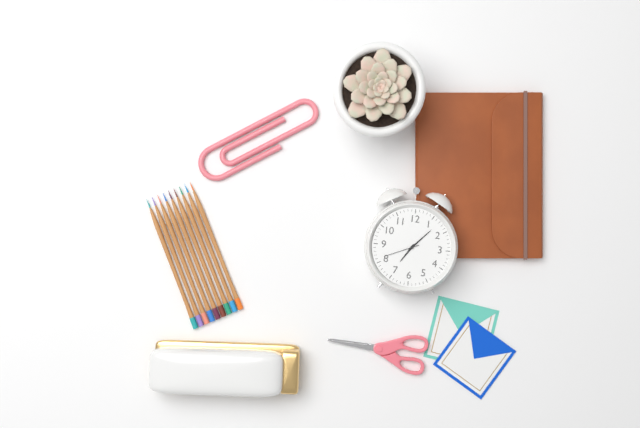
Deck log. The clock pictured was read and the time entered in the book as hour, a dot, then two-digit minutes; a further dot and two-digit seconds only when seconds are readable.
7.07
